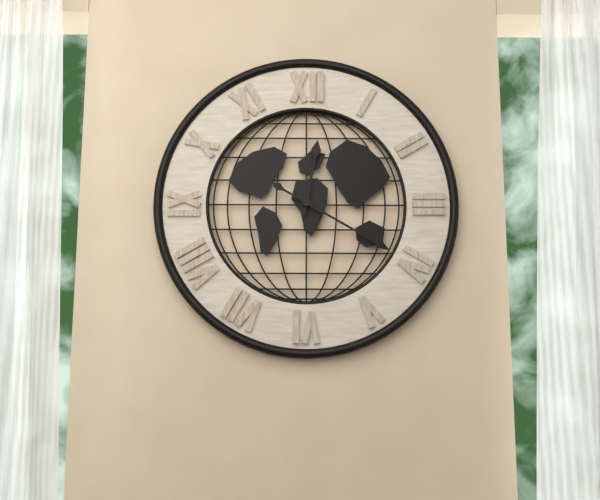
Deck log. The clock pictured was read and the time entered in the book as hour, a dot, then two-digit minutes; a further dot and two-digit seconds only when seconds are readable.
12.20
